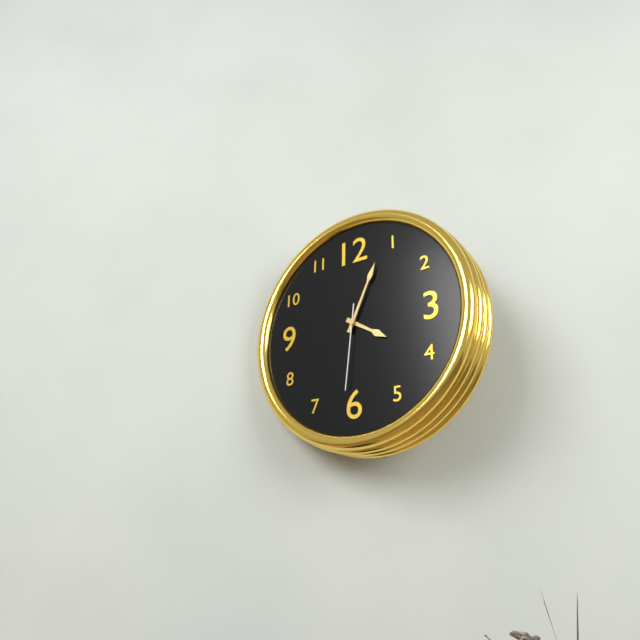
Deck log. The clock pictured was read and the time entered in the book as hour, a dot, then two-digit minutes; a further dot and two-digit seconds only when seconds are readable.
4.04.31
